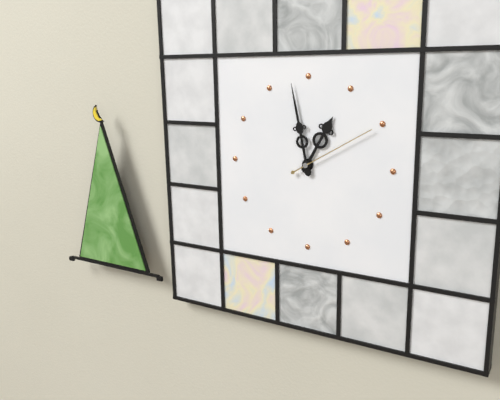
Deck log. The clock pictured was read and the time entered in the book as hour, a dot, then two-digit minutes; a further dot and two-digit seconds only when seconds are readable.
12.58.10
